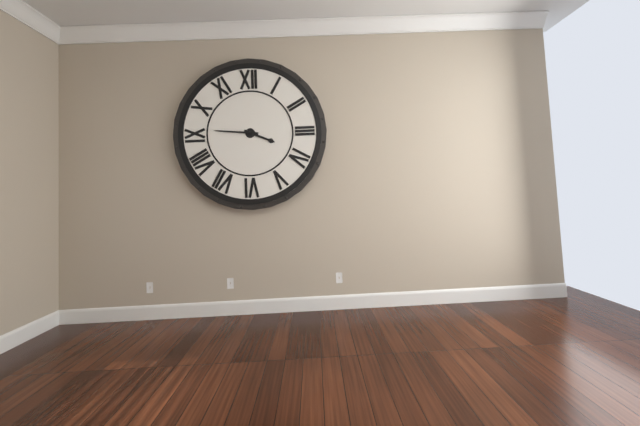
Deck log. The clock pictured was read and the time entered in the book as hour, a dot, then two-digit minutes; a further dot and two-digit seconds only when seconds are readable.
3.46
